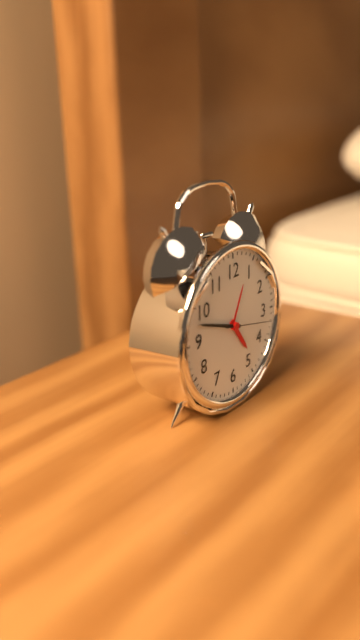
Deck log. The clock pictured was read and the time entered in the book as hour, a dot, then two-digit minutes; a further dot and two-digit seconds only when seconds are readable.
4.48
